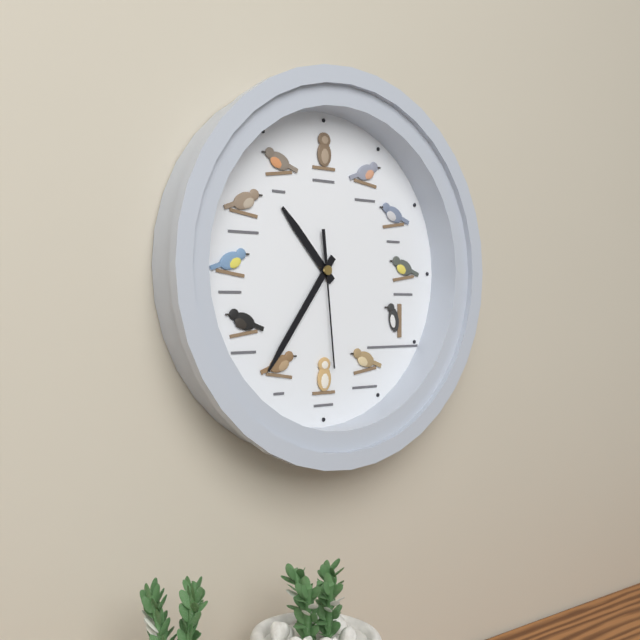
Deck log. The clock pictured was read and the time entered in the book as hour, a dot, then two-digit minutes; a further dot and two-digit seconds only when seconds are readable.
10.36.29
